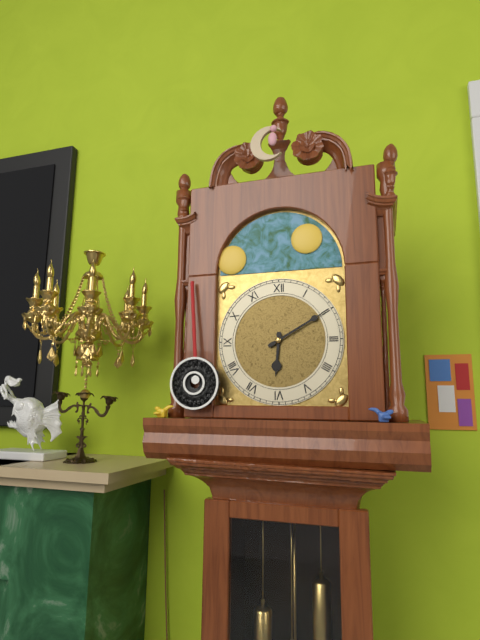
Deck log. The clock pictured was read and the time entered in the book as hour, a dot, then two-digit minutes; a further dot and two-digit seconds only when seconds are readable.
6.10
